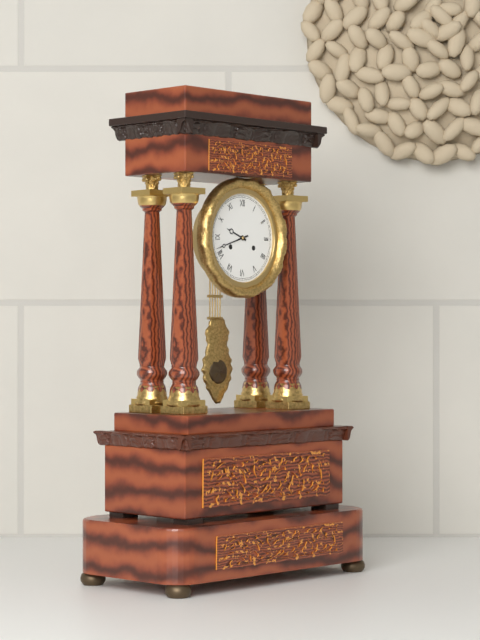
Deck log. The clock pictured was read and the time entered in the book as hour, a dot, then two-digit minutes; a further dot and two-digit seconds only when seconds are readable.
9.42
